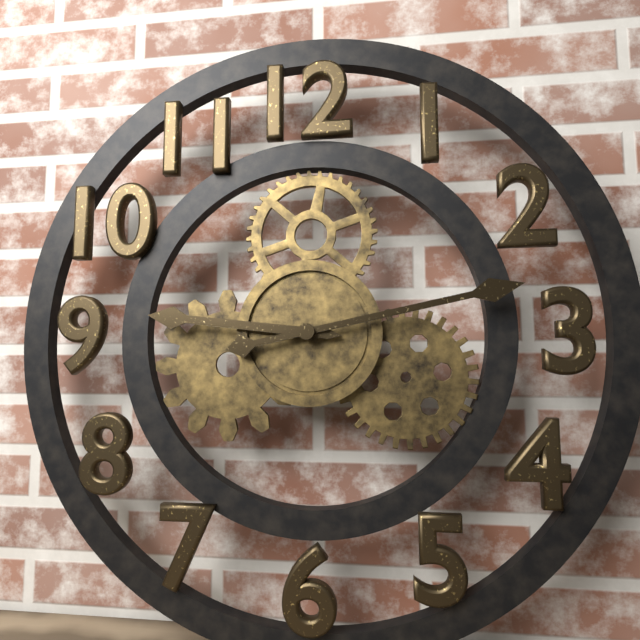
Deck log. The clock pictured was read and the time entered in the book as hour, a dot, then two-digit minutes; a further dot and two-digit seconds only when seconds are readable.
9.13
